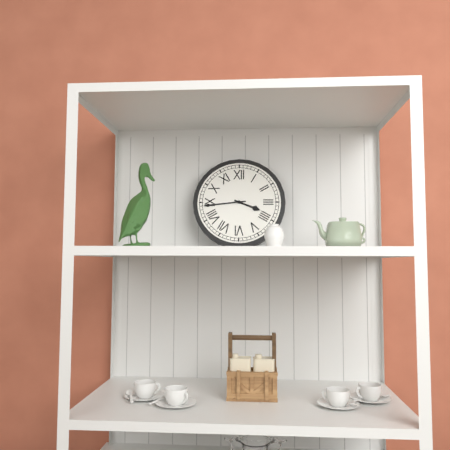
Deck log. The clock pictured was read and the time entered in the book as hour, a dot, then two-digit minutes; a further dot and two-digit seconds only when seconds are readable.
3.44
